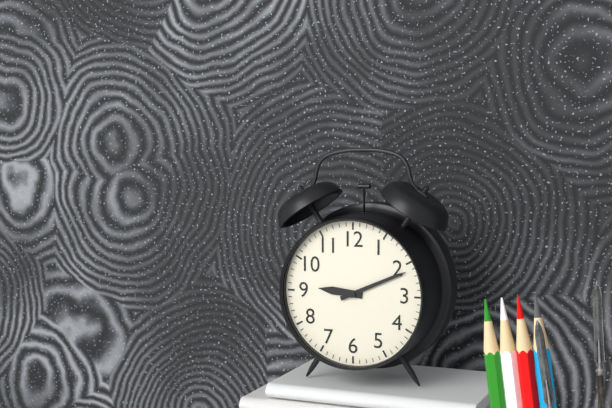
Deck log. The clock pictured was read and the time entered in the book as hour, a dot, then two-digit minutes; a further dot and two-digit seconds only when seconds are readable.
9.11
